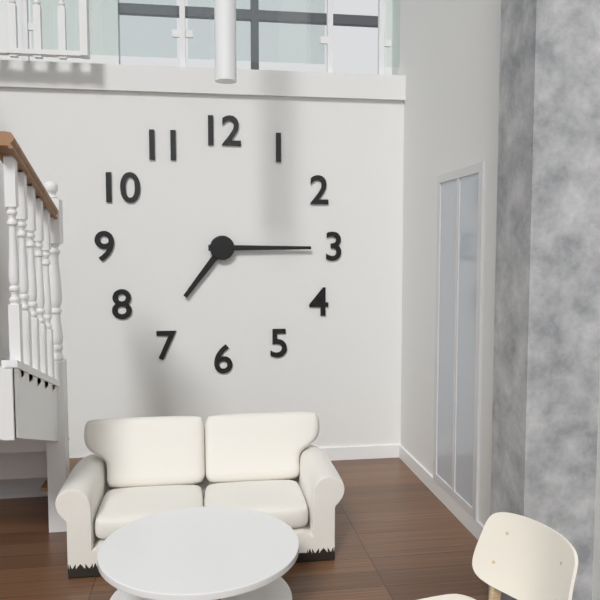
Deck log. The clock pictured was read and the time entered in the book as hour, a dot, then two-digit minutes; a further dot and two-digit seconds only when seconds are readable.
7.15
